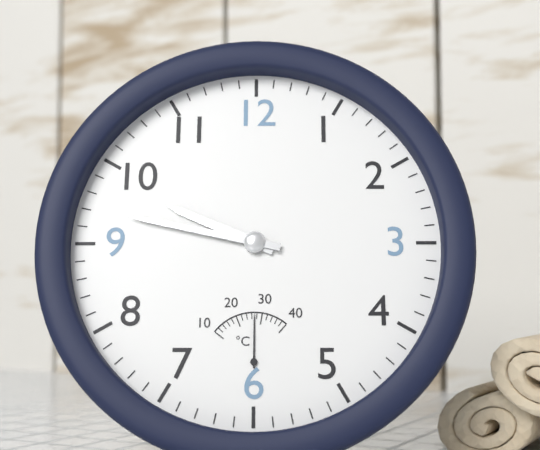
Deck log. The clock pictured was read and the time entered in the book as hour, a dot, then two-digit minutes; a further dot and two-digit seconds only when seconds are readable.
9.47
